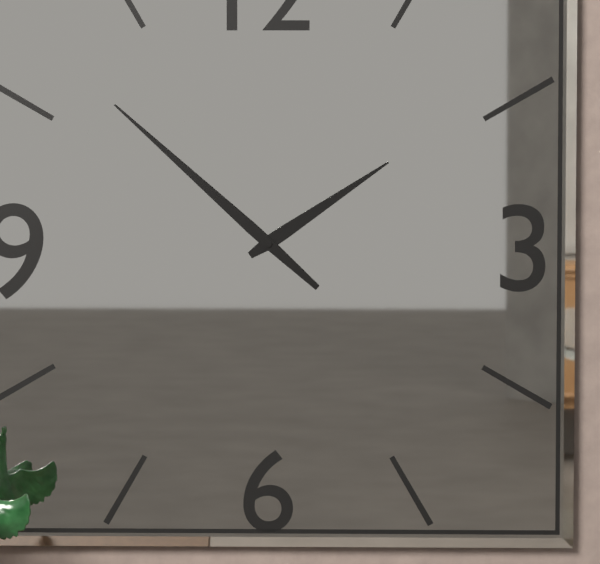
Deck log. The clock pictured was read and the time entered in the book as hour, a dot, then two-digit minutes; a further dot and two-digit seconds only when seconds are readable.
1.52
